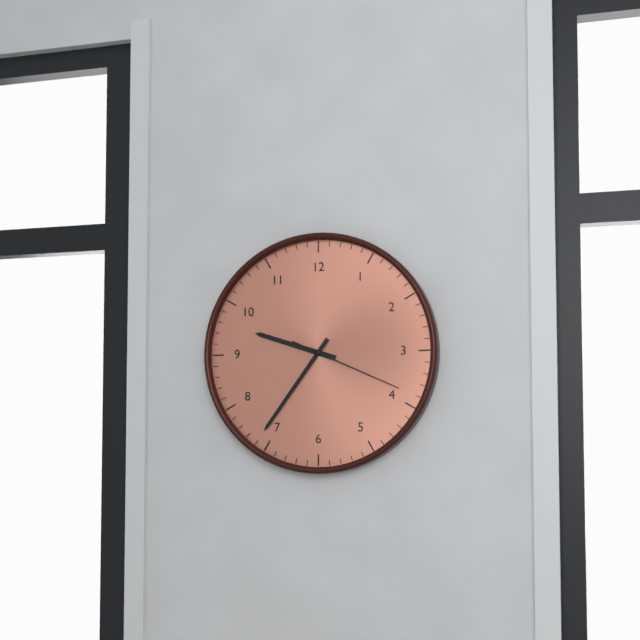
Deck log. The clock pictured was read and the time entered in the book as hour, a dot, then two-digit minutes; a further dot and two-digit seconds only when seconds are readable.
9.36.19
